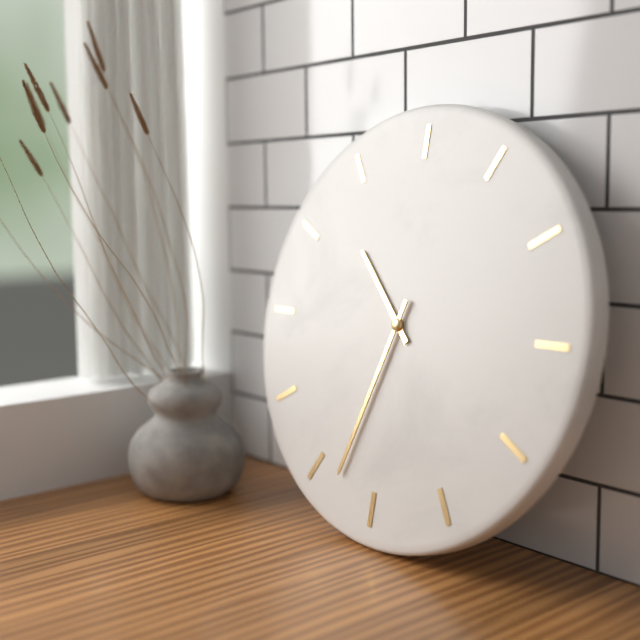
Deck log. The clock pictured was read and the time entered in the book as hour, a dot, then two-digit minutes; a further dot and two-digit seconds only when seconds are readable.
10.33
